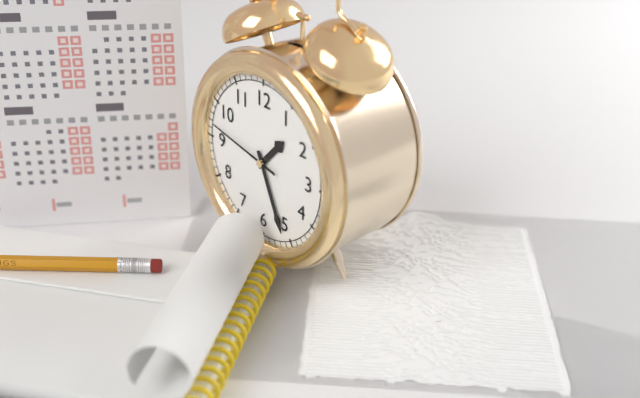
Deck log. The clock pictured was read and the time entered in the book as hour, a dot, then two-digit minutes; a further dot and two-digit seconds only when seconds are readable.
1.26.47
